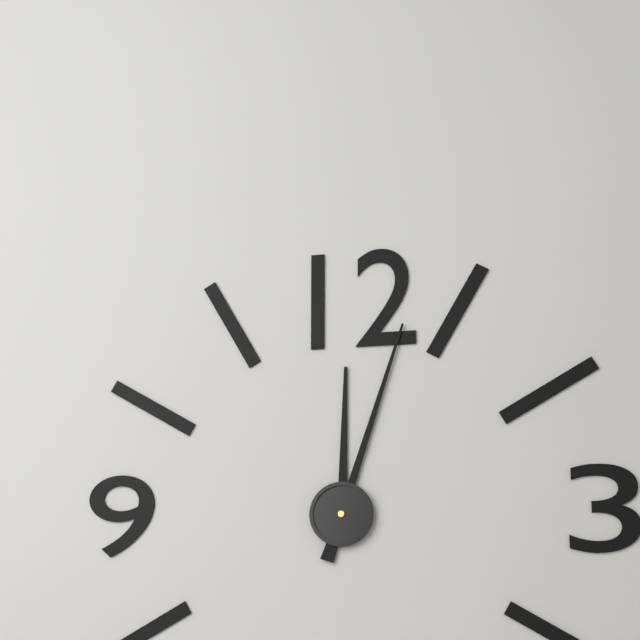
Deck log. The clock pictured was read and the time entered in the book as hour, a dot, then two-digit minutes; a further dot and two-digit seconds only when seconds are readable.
12.03
